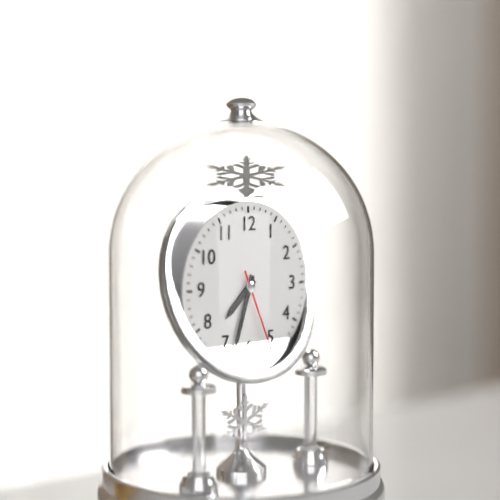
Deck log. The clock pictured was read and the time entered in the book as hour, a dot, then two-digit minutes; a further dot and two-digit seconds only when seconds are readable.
7.33.26
